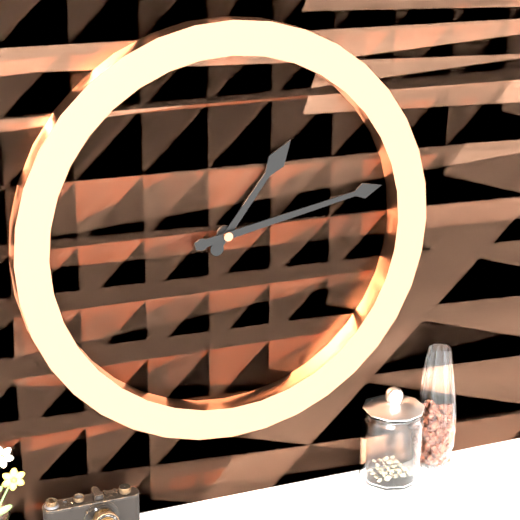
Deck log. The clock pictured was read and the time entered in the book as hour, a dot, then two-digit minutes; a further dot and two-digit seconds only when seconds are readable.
1.13
